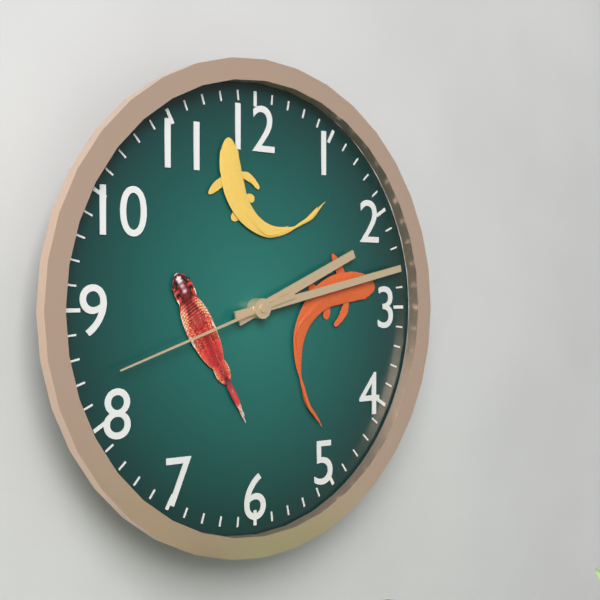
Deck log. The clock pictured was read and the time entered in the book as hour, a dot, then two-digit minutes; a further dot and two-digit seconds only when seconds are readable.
2.13.42
